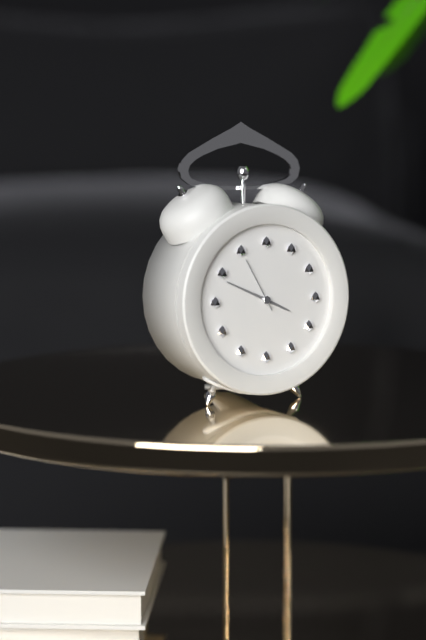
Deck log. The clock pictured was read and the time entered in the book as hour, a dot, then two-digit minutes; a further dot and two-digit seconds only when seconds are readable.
3.49.55
